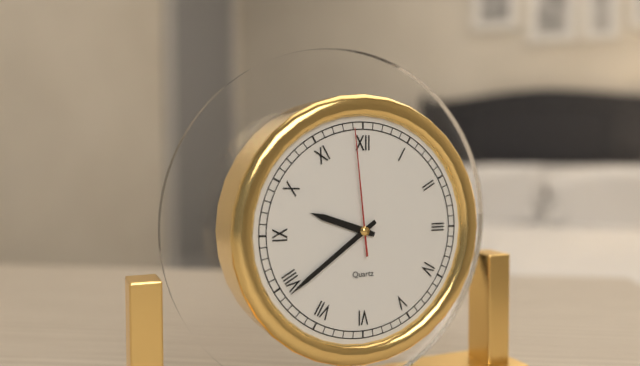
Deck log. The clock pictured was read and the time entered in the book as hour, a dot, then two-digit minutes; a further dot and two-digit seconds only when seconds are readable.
9.39.59
